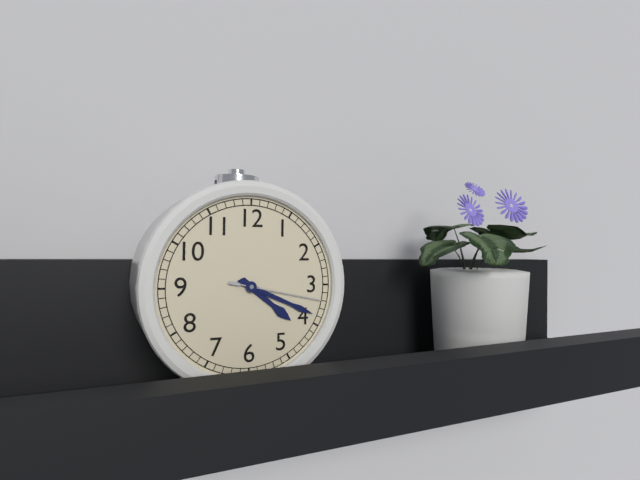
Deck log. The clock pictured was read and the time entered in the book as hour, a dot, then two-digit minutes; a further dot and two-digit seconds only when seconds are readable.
4.19.17
